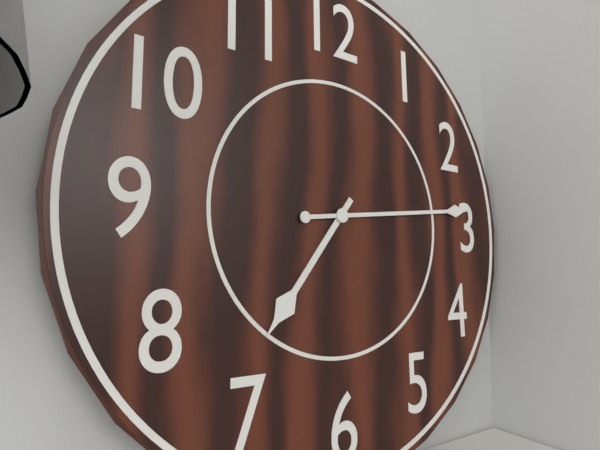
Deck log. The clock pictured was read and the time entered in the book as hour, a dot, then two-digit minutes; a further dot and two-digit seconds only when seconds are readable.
7.14
